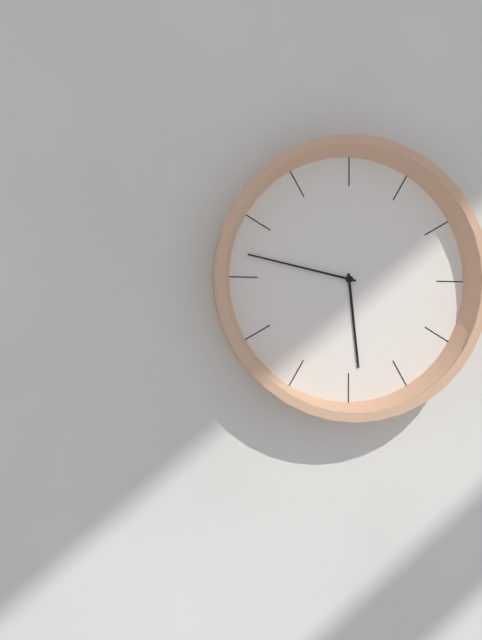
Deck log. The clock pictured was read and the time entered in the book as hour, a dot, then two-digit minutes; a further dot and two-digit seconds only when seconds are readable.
5.47
